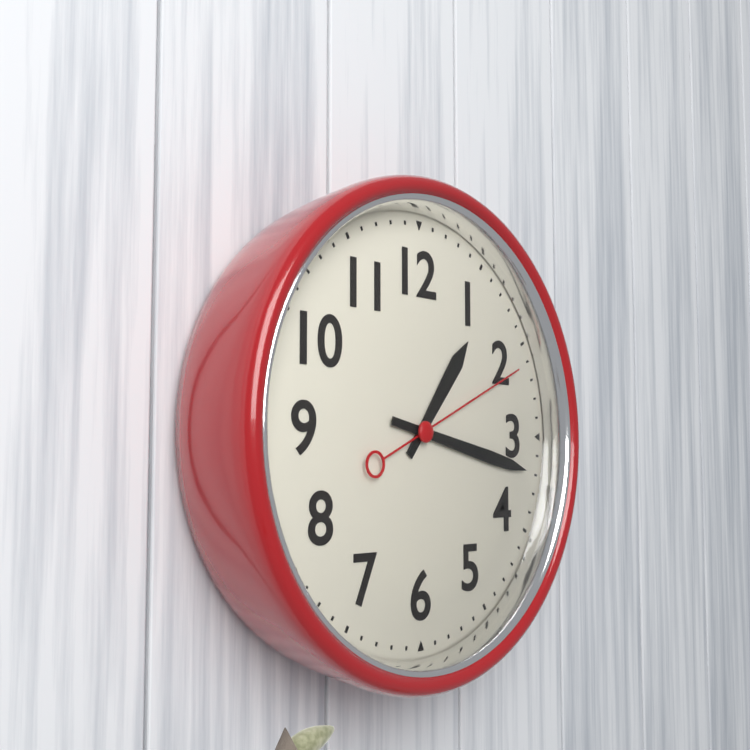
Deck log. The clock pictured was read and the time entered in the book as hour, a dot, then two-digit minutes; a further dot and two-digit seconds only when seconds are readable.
1.17.11
